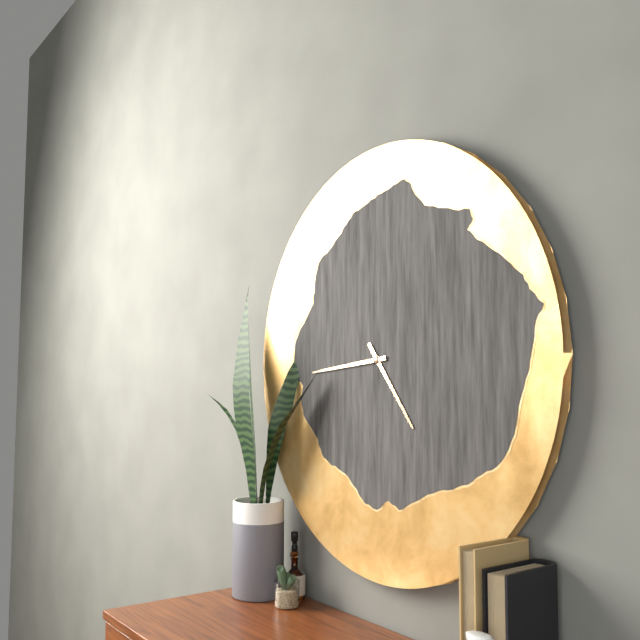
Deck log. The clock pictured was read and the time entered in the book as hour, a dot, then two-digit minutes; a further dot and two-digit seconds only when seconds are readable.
4.44
